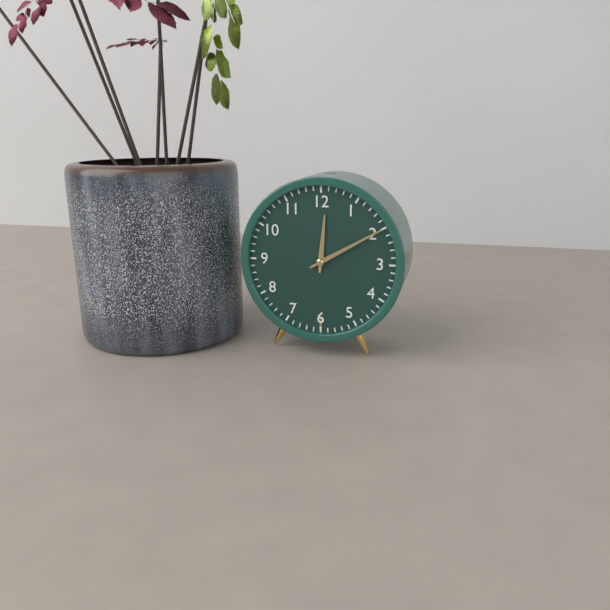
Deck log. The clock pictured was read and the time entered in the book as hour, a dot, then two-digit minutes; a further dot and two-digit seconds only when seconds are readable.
12.10
